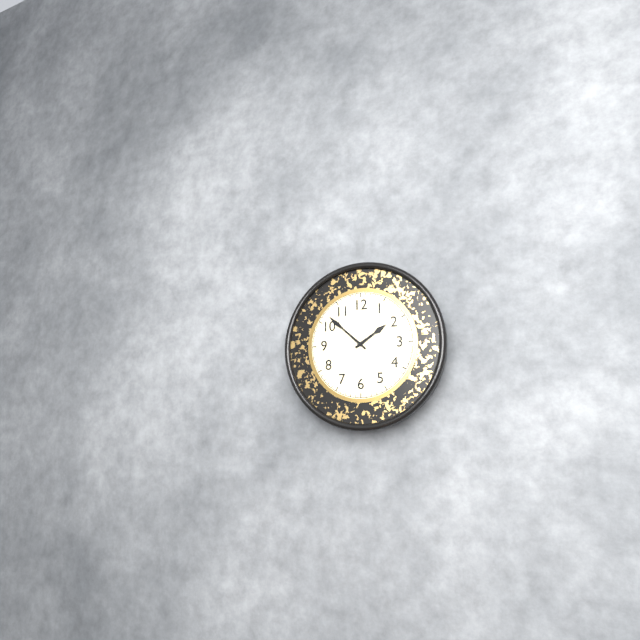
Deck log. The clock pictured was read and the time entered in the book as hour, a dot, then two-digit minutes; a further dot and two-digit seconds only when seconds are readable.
1.52
